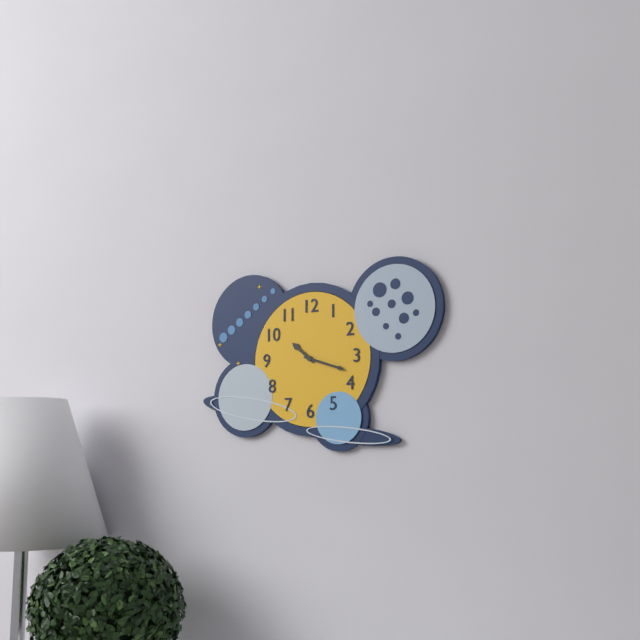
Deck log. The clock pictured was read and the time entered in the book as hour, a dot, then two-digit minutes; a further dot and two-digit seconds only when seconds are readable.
10.18
